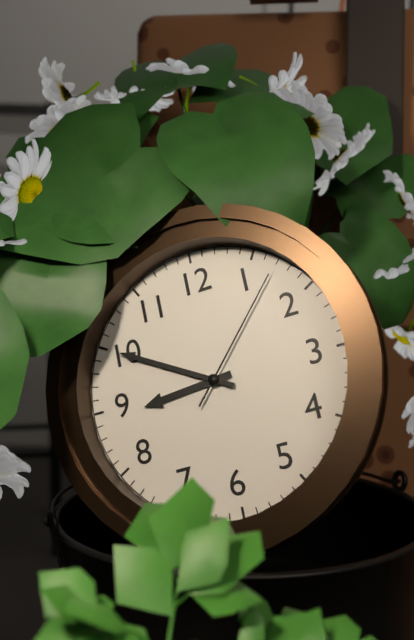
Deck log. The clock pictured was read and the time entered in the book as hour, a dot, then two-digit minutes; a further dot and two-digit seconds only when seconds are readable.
8.50.07
